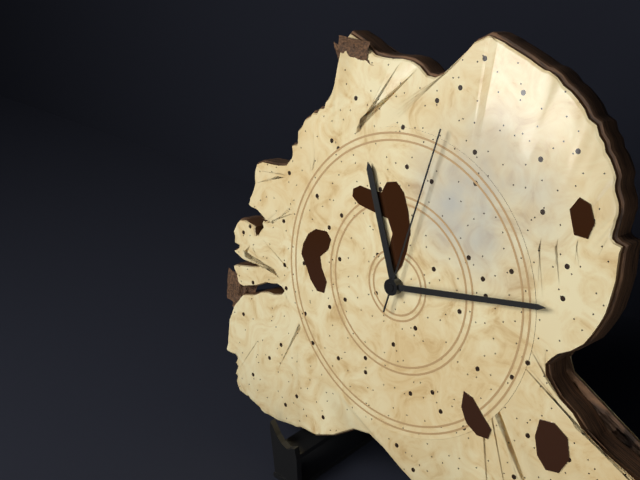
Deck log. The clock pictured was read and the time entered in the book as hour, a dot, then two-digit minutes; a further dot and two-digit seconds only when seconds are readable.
11.13.02
